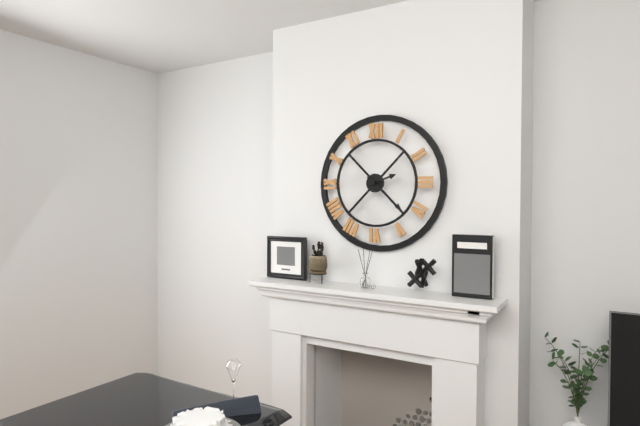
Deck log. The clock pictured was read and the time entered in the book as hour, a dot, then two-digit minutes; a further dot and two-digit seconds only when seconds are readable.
2.22
